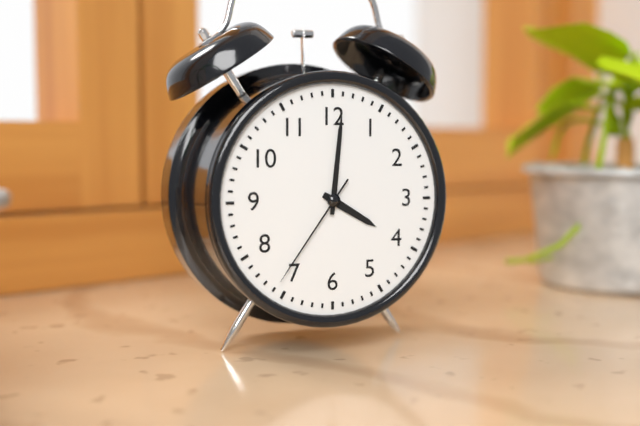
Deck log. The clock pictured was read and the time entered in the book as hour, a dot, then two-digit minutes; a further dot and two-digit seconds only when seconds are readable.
4.01.36
